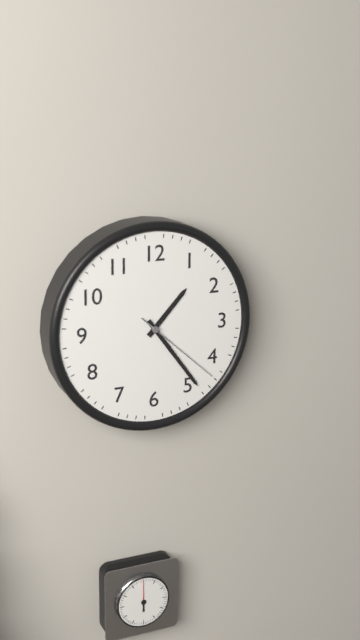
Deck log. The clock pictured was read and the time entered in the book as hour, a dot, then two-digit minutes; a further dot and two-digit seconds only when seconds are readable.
1.24.22
